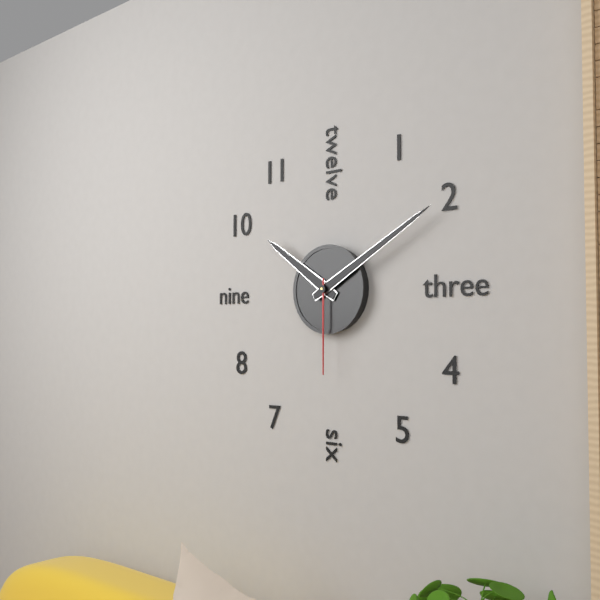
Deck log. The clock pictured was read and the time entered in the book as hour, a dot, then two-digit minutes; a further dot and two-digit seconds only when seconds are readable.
10.10.30
